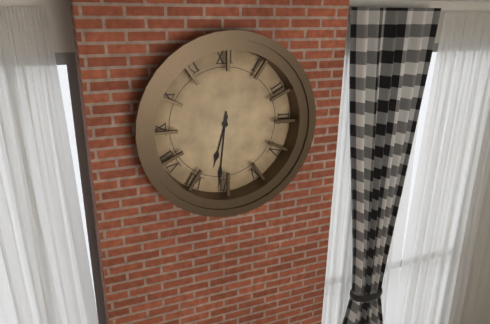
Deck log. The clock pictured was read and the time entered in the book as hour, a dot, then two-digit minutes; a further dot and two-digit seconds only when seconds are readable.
6.31
